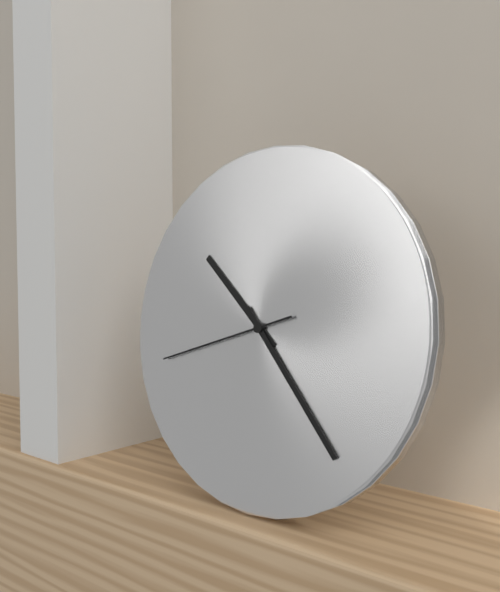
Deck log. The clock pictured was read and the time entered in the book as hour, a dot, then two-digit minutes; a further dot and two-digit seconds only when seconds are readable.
10.23.42
